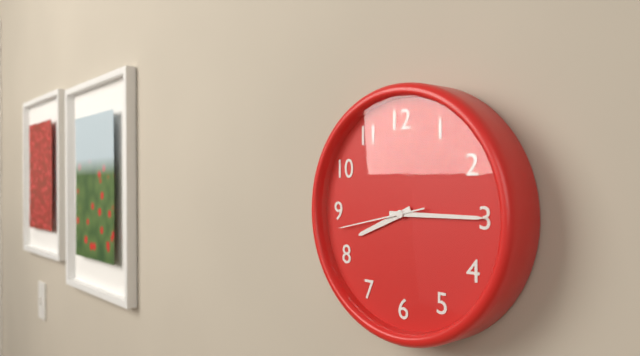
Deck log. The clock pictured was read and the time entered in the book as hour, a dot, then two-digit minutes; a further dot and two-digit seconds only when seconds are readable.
8.15.43
